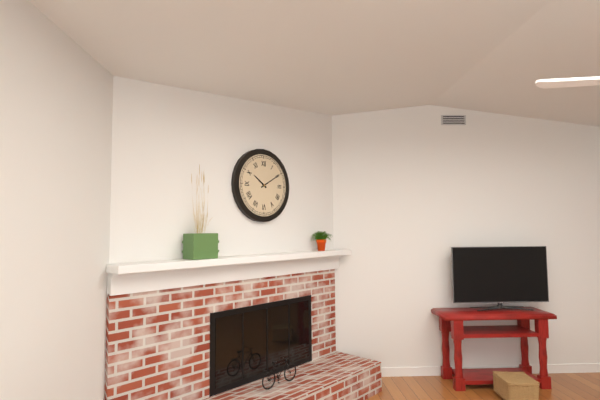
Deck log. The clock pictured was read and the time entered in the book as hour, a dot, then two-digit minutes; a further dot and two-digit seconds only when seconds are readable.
10.10
